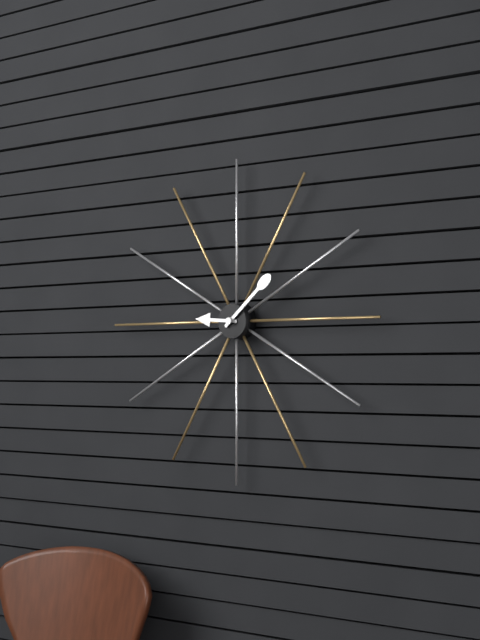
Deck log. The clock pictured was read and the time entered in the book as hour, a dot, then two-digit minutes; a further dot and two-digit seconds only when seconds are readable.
9.08
